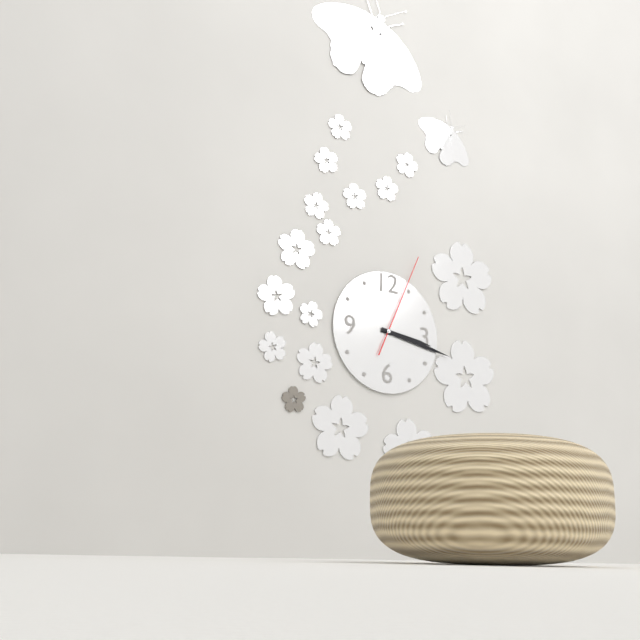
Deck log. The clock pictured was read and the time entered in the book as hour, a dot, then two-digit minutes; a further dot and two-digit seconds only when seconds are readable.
3.17.04
